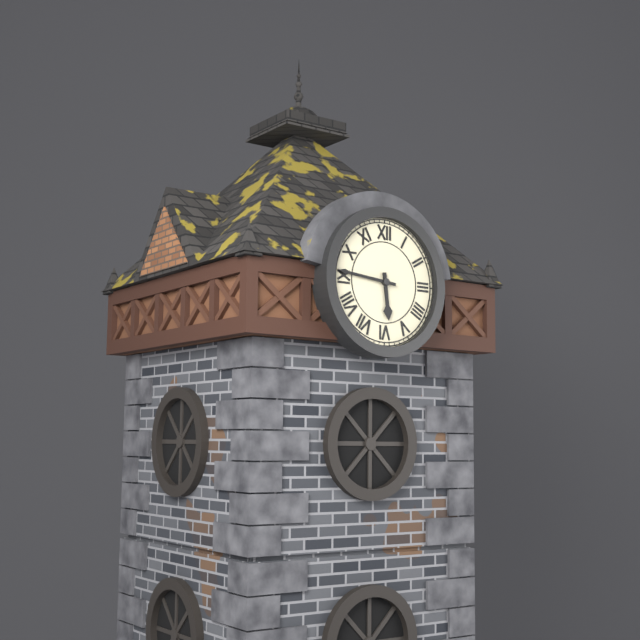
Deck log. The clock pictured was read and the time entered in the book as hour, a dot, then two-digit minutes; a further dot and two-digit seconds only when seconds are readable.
5.46
